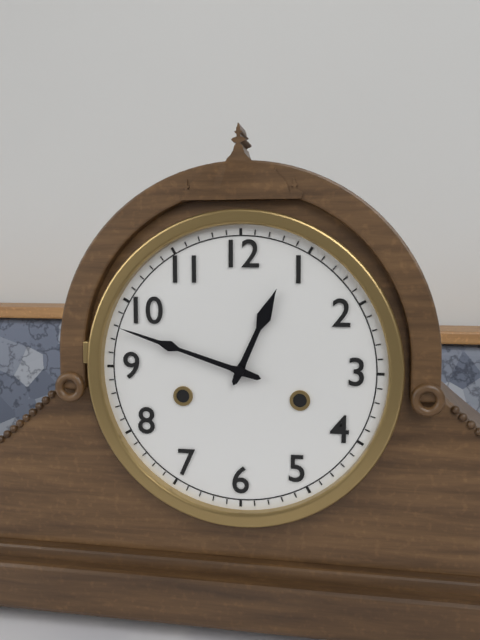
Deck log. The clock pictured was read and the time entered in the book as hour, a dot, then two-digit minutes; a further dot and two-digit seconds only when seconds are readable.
12.48
